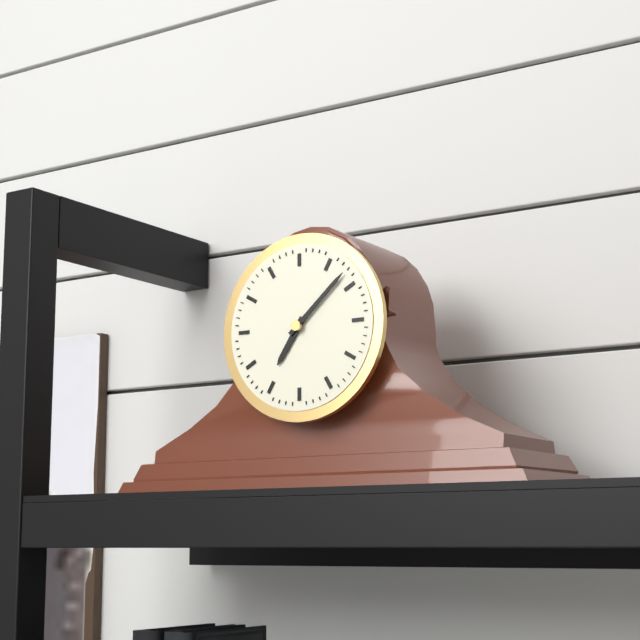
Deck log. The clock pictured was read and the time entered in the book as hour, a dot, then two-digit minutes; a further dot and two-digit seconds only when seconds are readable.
7.08
